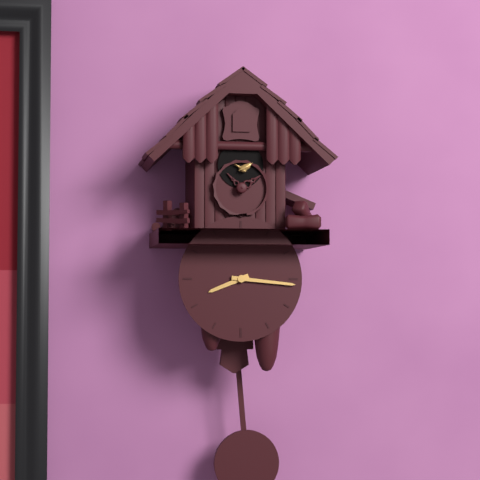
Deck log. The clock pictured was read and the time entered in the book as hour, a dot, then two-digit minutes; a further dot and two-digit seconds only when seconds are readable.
8.16
